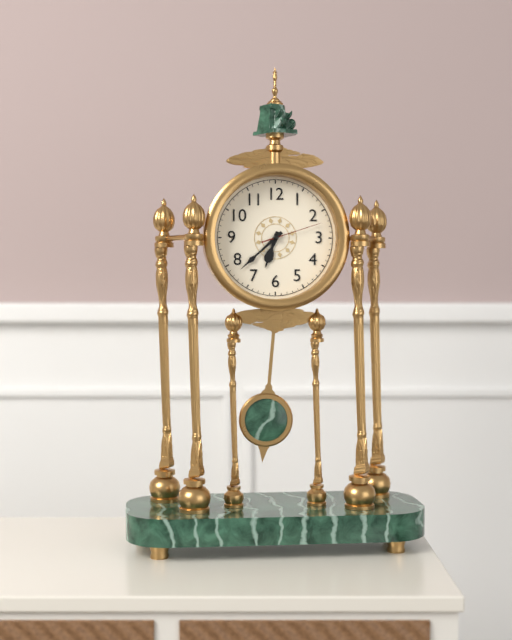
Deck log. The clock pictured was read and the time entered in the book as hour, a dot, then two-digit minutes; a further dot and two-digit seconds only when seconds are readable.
6.38.12
